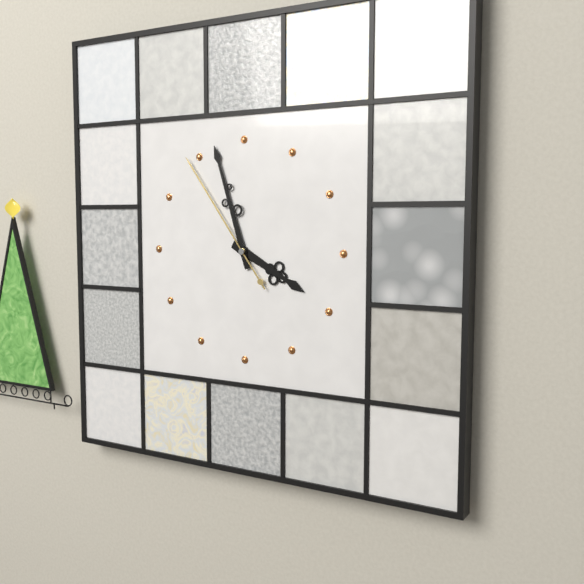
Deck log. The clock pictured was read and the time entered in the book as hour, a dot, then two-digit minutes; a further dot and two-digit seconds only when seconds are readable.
3.57.54
